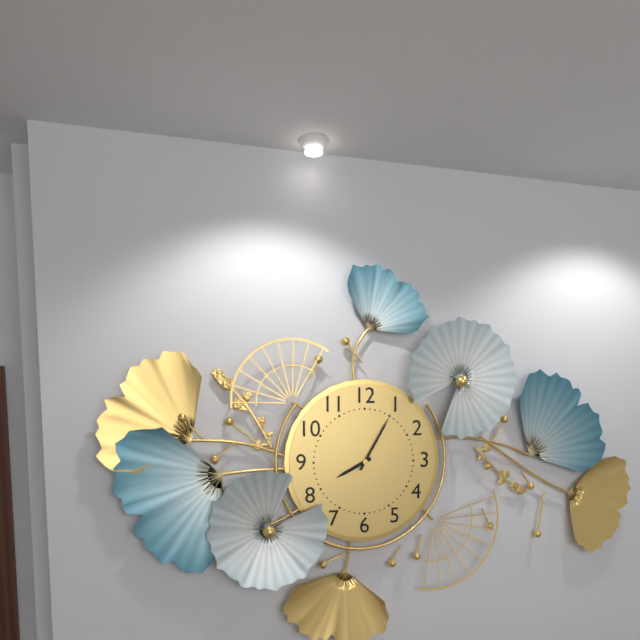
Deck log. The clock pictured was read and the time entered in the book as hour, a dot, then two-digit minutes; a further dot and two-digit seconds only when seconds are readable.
8.05
